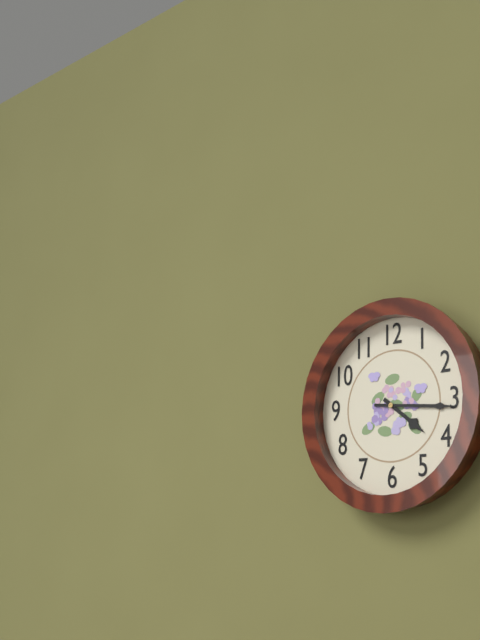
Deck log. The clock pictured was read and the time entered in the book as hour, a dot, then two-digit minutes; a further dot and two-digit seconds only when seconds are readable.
4.16
